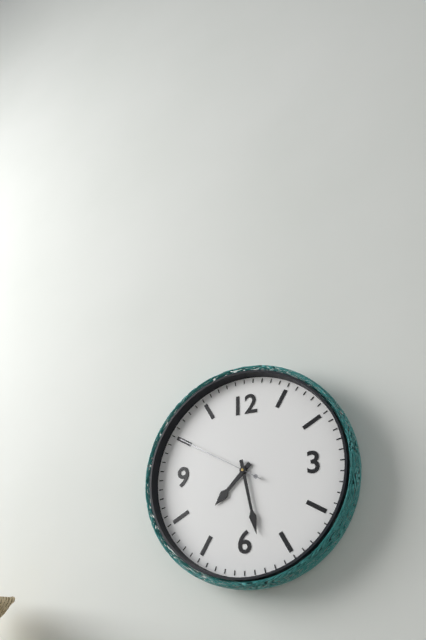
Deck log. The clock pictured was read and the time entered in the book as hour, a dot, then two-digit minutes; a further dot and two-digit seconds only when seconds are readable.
7.28.50
